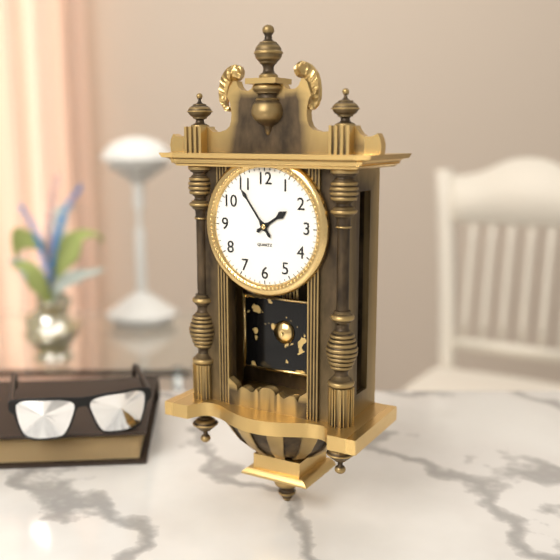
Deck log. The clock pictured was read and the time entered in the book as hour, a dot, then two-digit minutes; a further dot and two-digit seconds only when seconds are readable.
1.54
